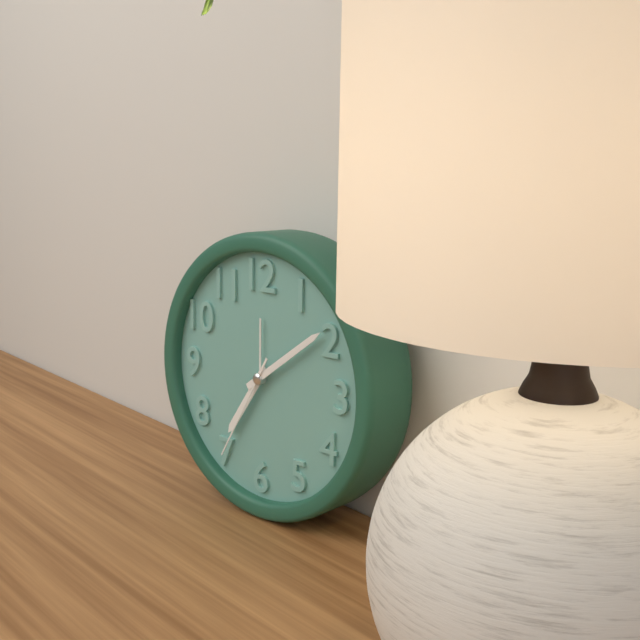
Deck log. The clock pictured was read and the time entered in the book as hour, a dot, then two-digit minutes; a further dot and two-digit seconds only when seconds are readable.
7.09.35
